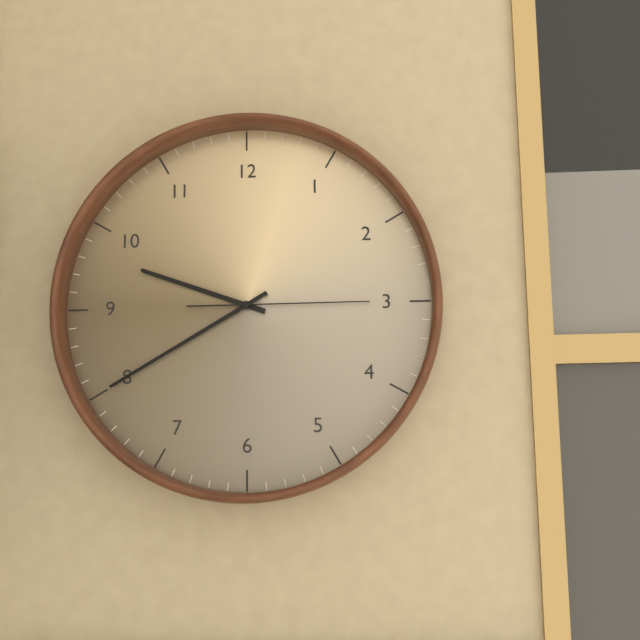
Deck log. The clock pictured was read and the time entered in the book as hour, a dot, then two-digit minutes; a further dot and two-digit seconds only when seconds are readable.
9.40.15
